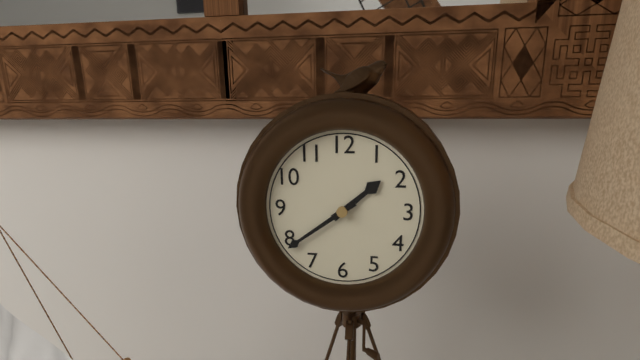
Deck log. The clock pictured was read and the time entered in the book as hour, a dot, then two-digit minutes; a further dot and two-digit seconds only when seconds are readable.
1.39
